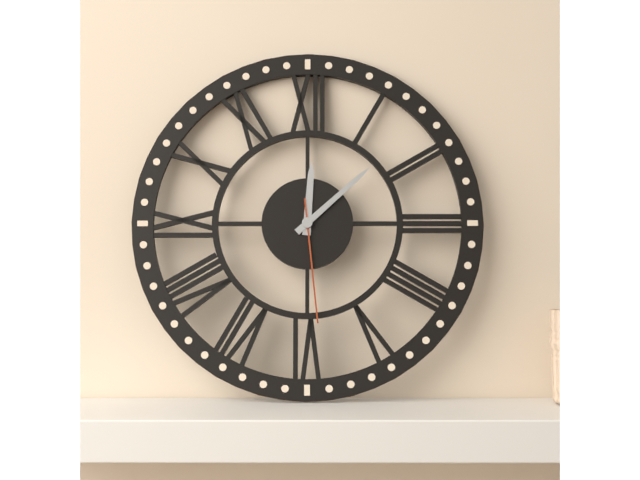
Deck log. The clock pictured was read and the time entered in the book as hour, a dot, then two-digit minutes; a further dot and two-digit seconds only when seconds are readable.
12.08.29
